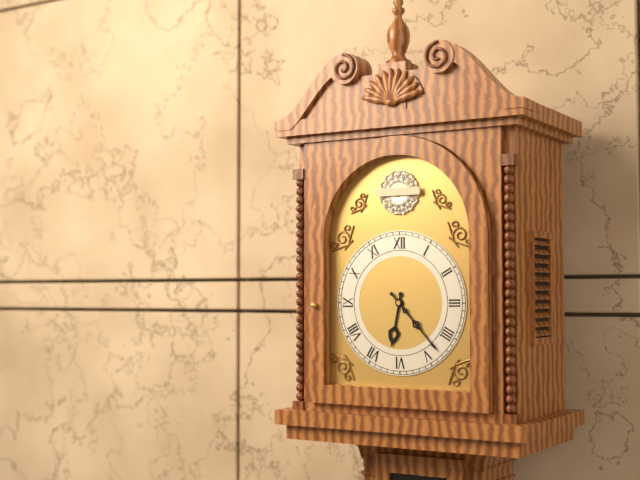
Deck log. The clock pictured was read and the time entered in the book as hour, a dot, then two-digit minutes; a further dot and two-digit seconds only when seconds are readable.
6.23
